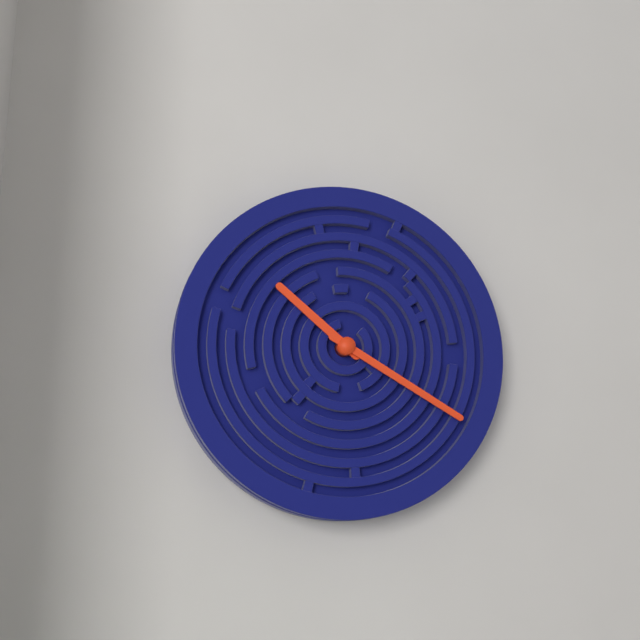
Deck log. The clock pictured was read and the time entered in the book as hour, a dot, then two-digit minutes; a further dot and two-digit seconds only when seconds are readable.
10.20
